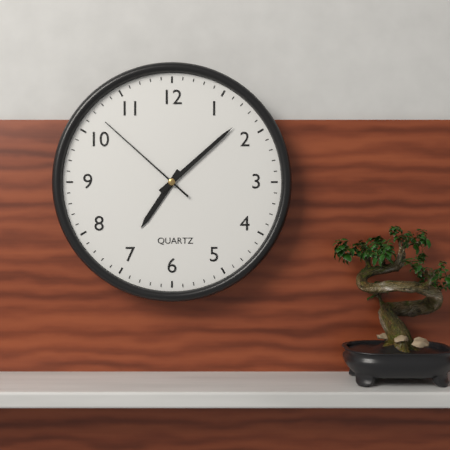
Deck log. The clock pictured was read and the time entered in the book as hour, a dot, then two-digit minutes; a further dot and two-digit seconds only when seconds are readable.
7.08.52
